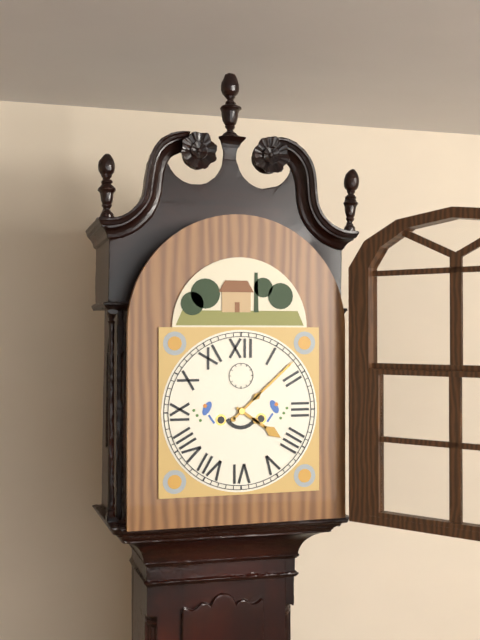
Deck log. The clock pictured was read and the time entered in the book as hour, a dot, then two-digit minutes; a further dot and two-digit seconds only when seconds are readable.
4.08
